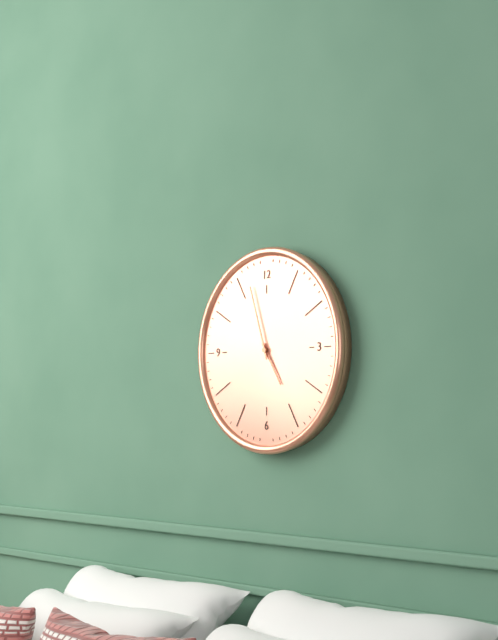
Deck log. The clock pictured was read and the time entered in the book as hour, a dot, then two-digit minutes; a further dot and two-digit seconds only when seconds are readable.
4.57
